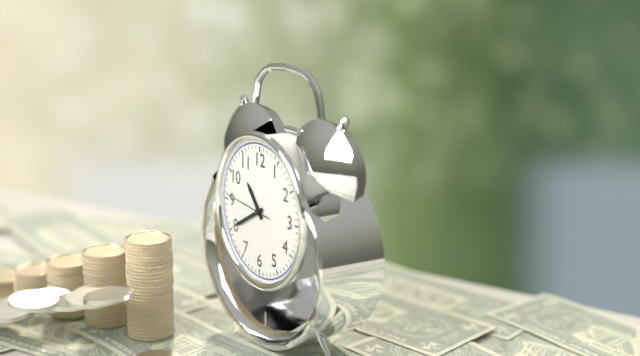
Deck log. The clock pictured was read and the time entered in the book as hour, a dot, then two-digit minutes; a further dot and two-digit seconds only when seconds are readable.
10.40
